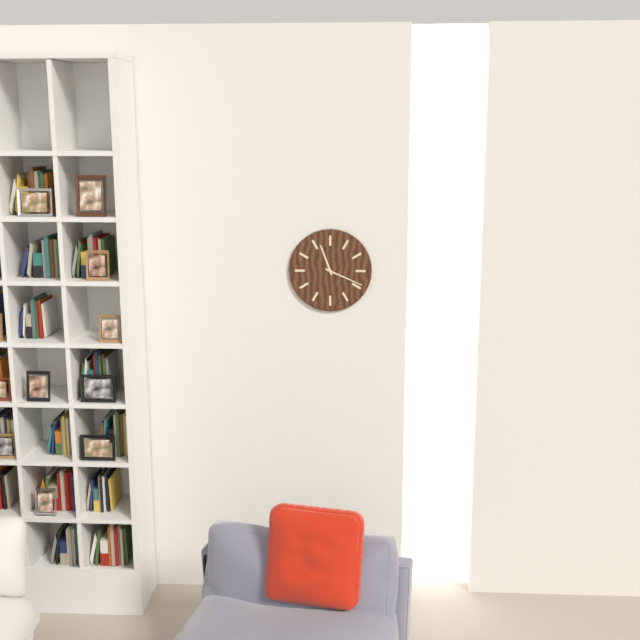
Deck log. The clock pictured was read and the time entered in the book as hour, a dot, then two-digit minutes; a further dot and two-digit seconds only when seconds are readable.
11.19
